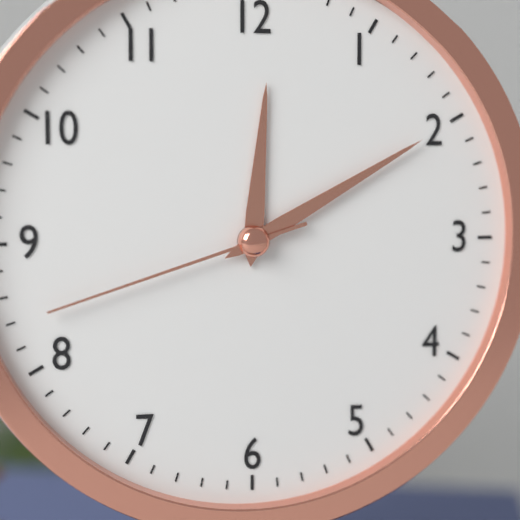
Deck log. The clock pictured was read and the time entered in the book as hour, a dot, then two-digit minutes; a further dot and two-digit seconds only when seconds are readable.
12.10.42
